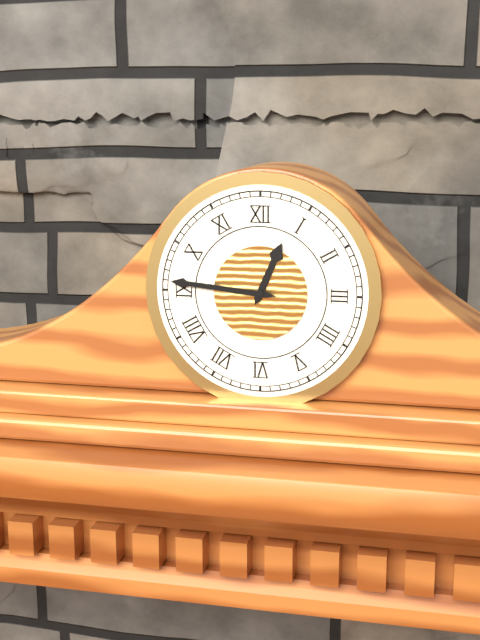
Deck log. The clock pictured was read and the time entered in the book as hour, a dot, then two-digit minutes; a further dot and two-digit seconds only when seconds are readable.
12.46
